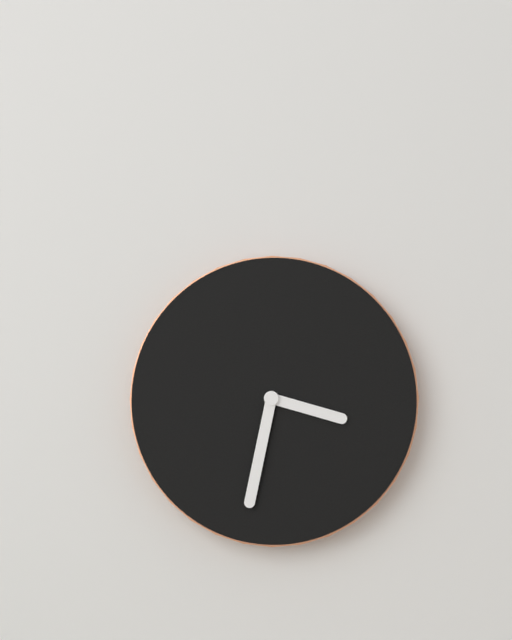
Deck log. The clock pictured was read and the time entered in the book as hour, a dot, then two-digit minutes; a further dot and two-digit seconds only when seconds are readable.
3.32
